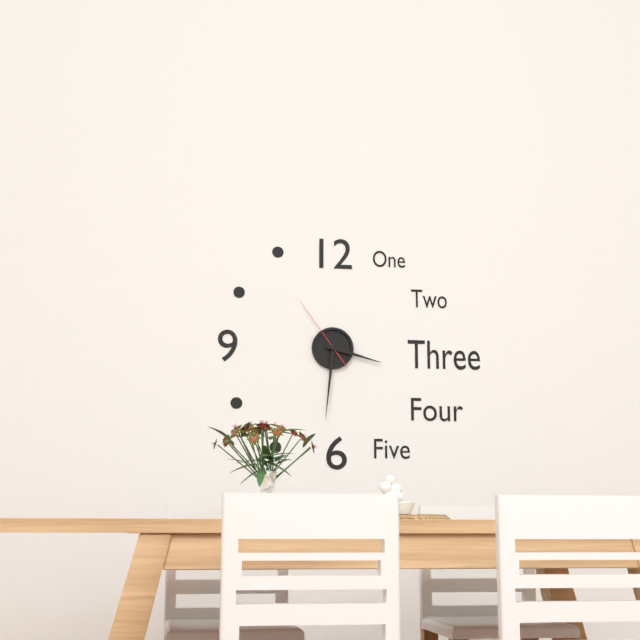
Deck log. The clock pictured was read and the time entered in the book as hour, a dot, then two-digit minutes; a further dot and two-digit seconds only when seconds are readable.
3.31.54
